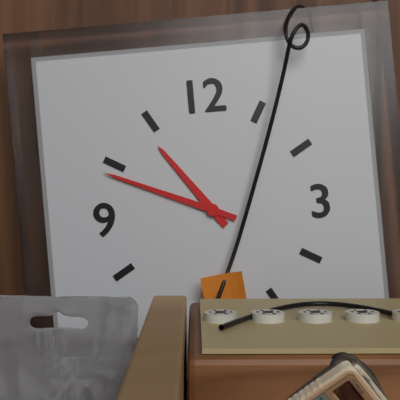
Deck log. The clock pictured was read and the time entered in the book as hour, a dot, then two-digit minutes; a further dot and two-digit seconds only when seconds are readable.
10.49
